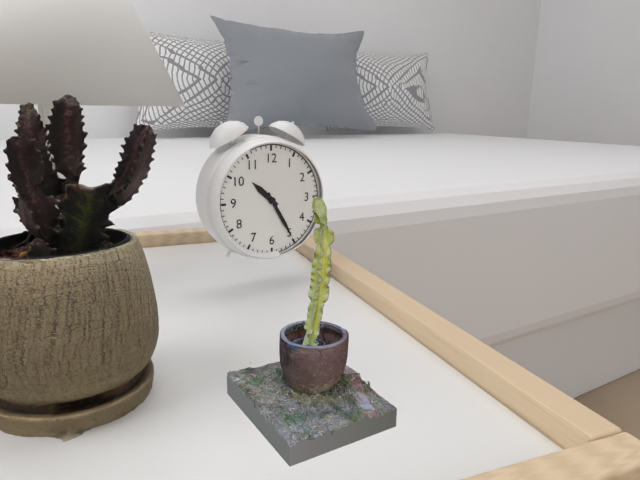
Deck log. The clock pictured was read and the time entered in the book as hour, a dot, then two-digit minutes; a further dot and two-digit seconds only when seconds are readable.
10.25
